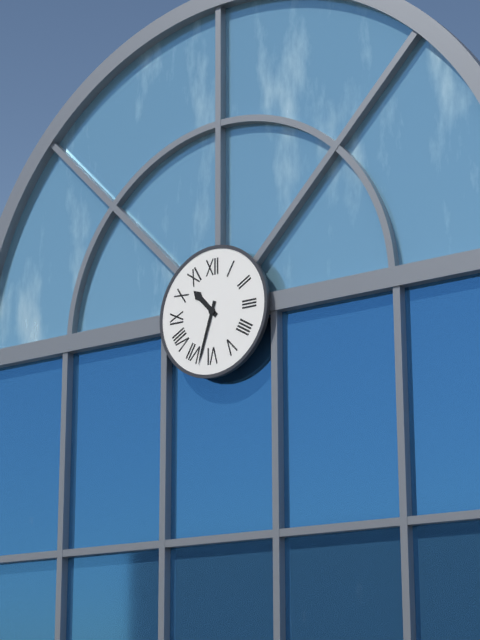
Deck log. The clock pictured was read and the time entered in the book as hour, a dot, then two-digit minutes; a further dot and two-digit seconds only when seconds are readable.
10.33
